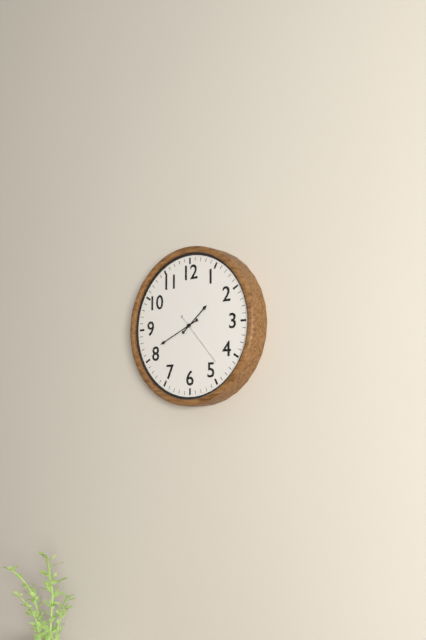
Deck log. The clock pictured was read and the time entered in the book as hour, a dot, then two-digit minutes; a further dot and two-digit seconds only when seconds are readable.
1.41.23
